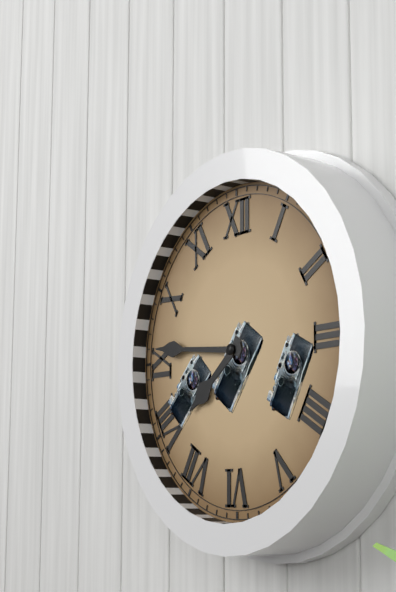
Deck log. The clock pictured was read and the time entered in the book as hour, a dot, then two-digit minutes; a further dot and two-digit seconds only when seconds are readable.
7.46
